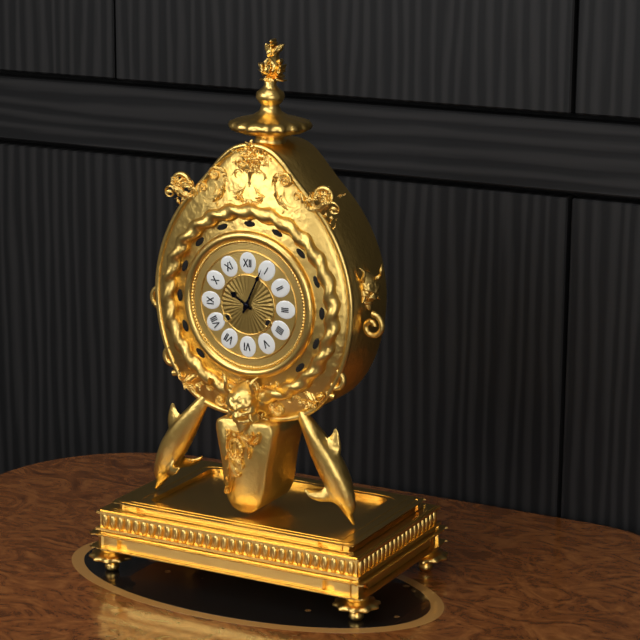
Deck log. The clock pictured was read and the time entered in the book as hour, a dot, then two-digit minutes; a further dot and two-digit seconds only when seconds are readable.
10.04
